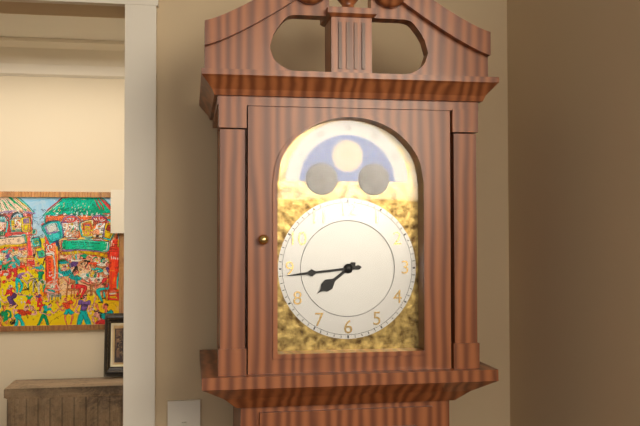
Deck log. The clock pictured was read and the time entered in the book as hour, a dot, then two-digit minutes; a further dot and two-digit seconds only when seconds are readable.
7.44
